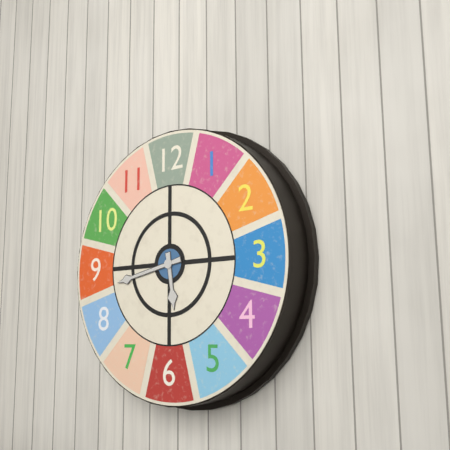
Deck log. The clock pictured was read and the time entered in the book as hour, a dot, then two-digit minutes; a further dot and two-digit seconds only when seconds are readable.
5.43
